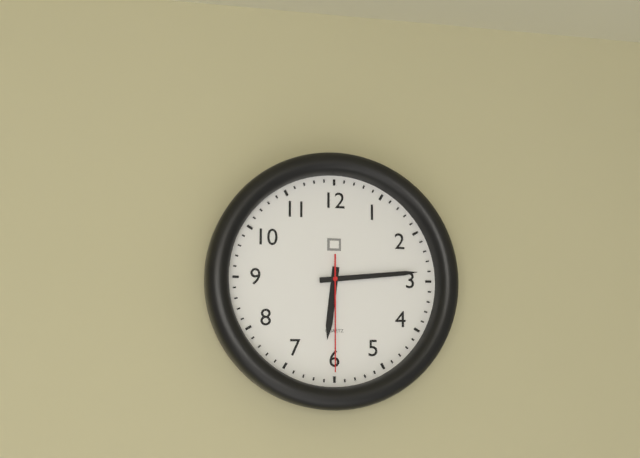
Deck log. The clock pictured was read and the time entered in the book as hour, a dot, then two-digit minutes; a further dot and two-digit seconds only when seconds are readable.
6.14.30
